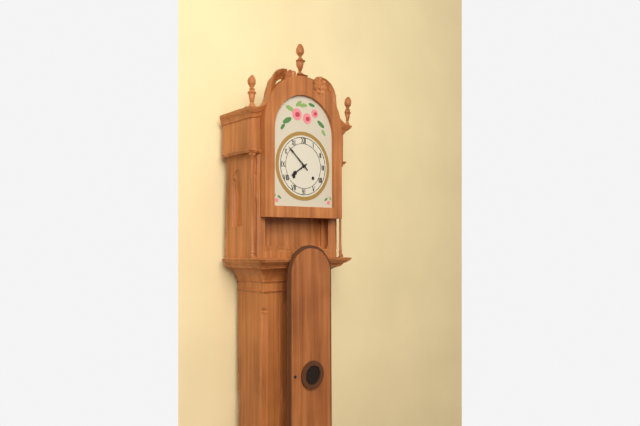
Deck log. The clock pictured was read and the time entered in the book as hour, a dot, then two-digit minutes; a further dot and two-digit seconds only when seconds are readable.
7.52
